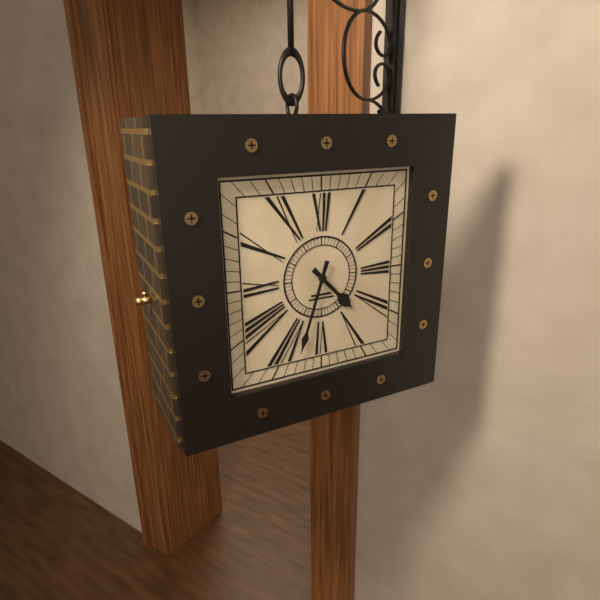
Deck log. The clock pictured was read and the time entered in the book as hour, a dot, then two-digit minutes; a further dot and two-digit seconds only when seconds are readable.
4.33
